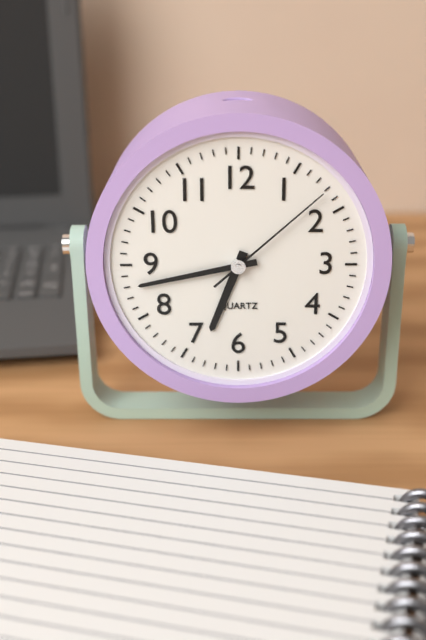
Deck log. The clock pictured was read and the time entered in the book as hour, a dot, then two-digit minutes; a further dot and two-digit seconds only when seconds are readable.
6.43.08
